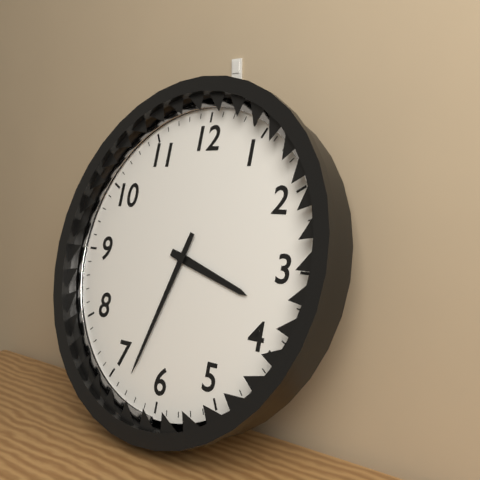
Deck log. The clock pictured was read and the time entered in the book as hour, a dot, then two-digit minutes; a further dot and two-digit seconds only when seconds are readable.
3.33
